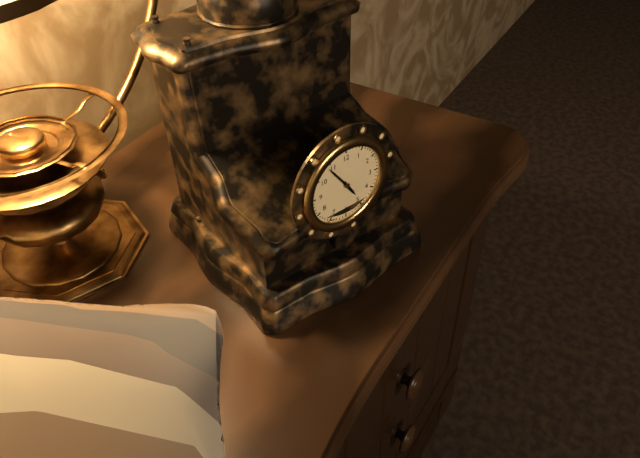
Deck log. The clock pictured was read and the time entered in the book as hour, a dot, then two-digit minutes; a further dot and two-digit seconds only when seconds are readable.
4.54
